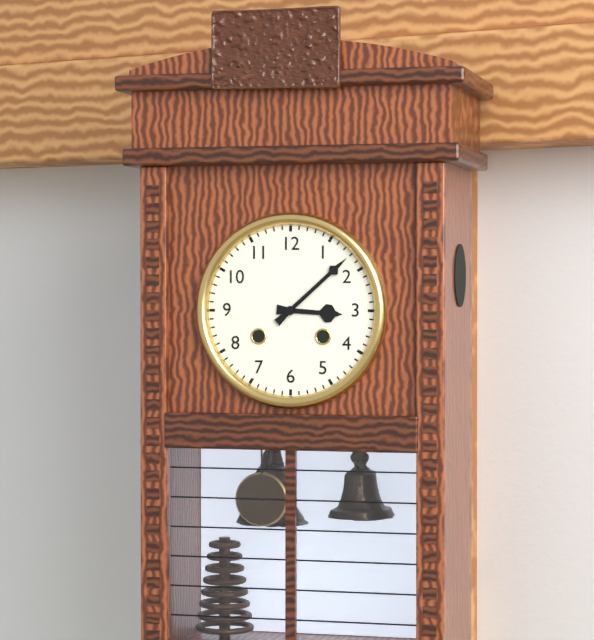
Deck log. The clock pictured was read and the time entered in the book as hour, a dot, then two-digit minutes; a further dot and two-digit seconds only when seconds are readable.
3.08
